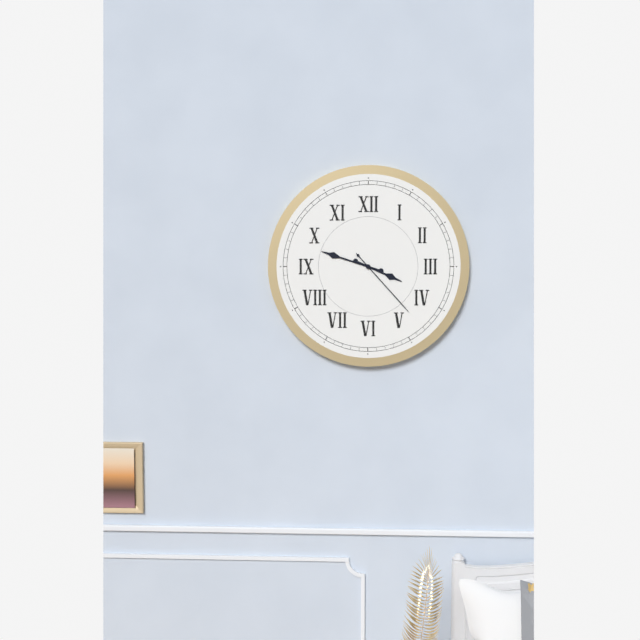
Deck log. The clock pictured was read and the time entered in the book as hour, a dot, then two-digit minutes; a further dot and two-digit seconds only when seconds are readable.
3.48.23
